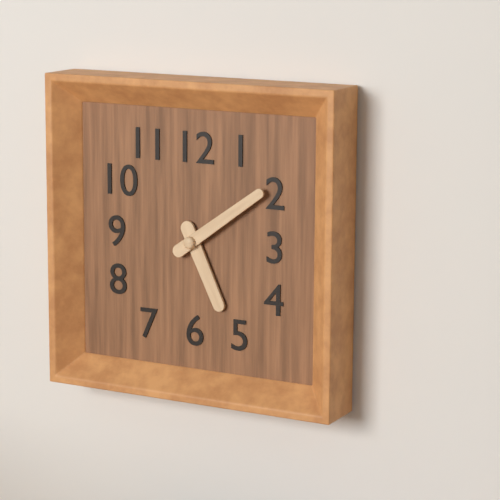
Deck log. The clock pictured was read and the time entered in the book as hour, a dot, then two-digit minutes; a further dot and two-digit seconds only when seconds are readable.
5.09
